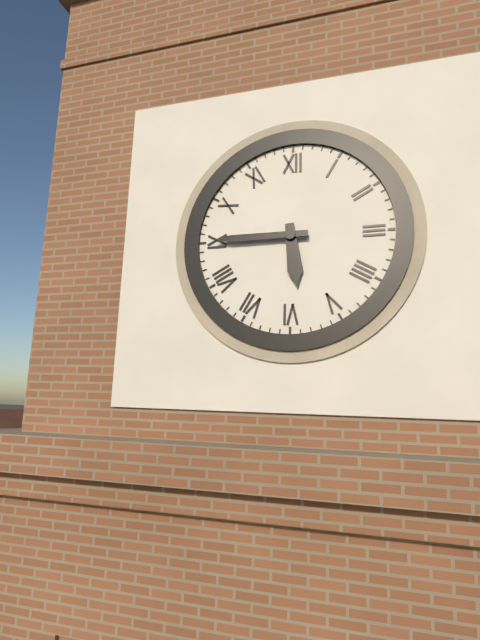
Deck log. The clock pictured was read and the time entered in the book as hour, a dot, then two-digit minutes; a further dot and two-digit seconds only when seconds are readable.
5.45
